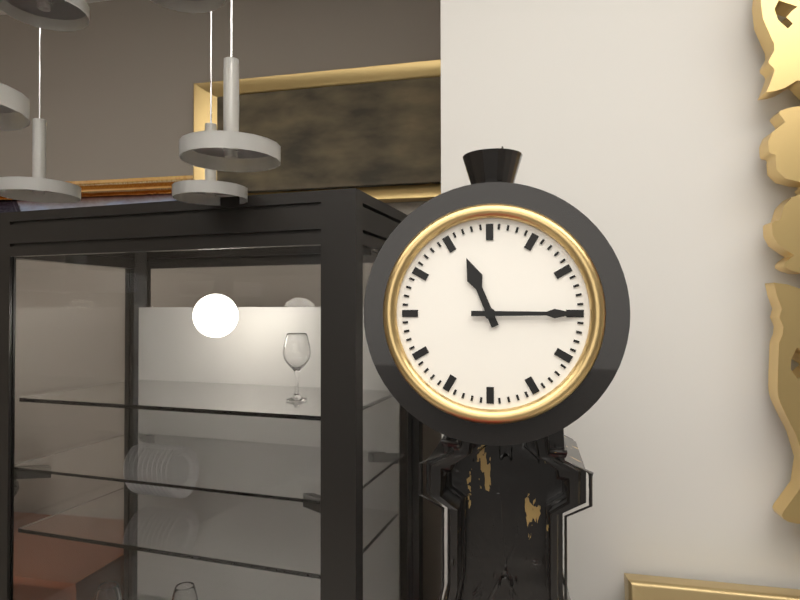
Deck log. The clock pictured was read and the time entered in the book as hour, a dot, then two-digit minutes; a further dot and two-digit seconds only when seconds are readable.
11.15
